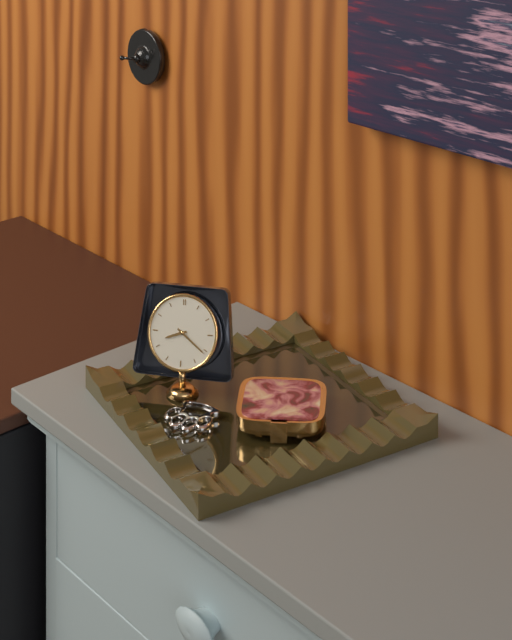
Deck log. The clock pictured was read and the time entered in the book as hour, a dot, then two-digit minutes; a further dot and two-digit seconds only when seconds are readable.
8.21
